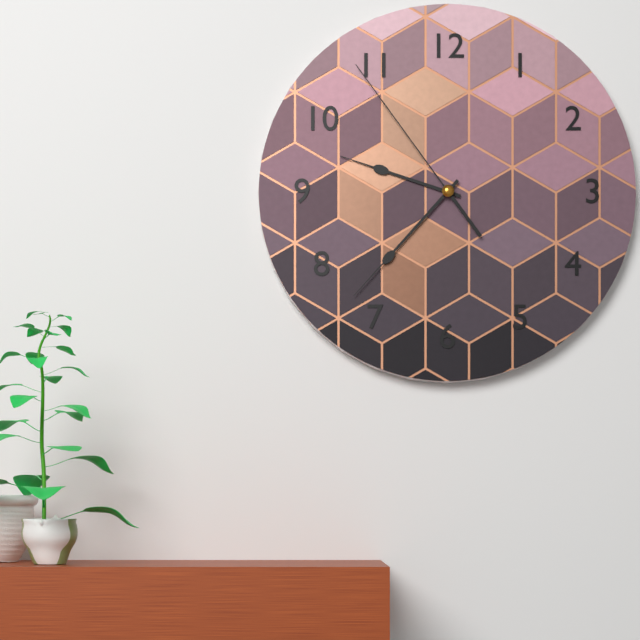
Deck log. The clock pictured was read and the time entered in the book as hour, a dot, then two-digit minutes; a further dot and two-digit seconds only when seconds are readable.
9.37.54
